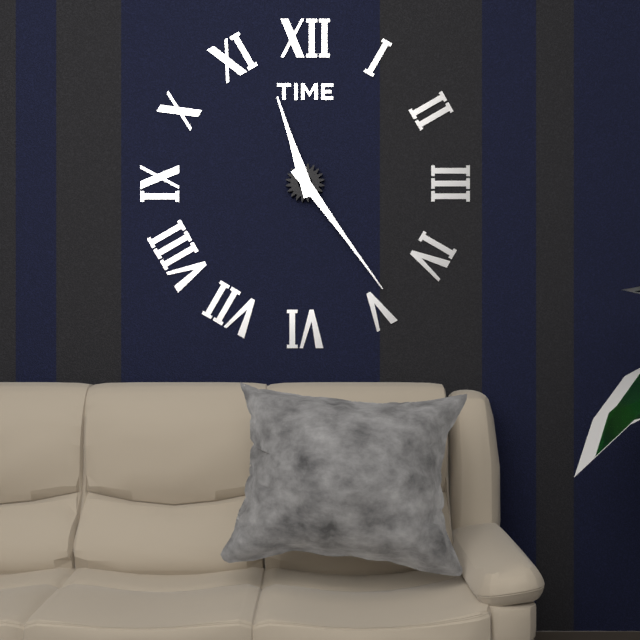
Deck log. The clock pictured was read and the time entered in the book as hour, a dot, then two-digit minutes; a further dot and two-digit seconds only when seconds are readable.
11.24
